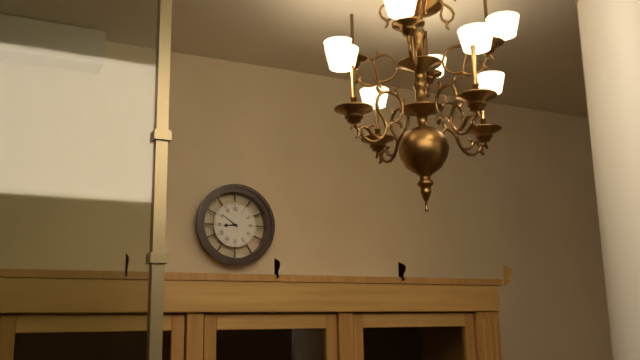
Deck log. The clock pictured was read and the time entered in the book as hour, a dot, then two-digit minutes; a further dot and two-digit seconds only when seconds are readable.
8.51
